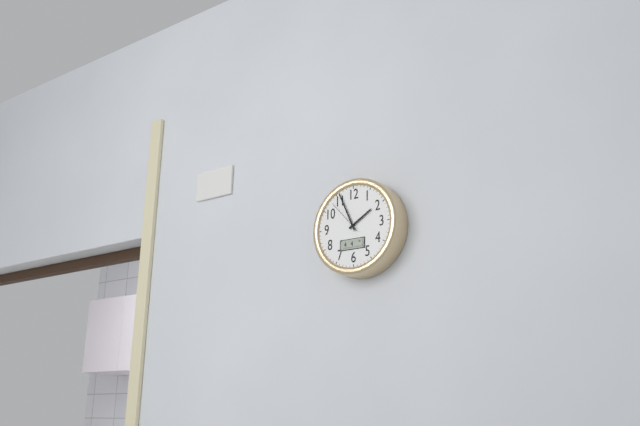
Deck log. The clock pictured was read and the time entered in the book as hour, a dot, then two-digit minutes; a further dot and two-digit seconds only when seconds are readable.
1.56
